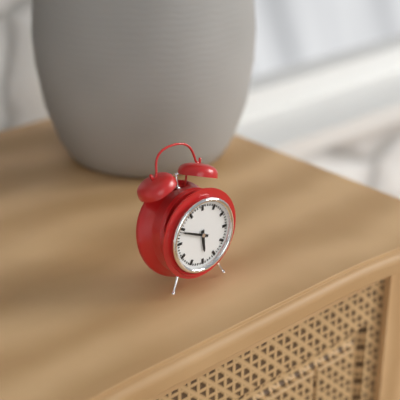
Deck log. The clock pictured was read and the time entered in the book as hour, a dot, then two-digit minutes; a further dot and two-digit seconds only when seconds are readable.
5.49
